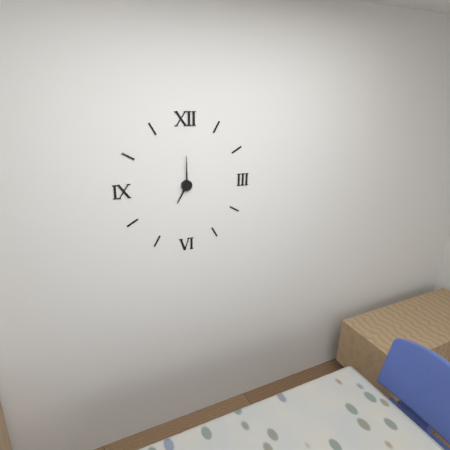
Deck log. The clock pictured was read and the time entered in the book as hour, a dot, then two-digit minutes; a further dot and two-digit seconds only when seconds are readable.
7.00
